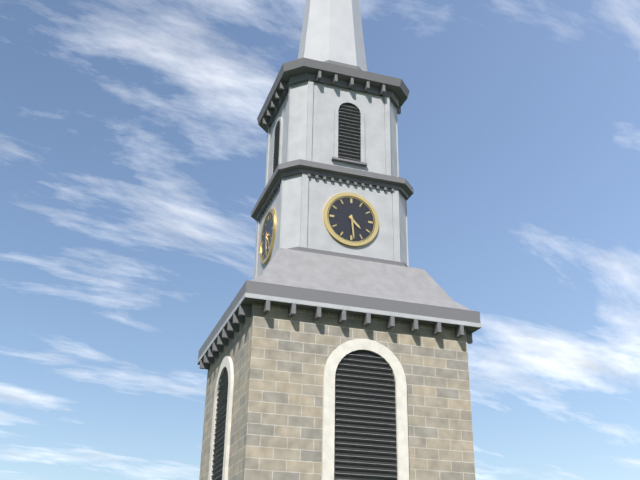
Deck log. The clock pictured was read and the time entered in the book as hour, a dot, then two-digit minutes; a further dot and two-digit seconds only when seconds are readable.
4.29
